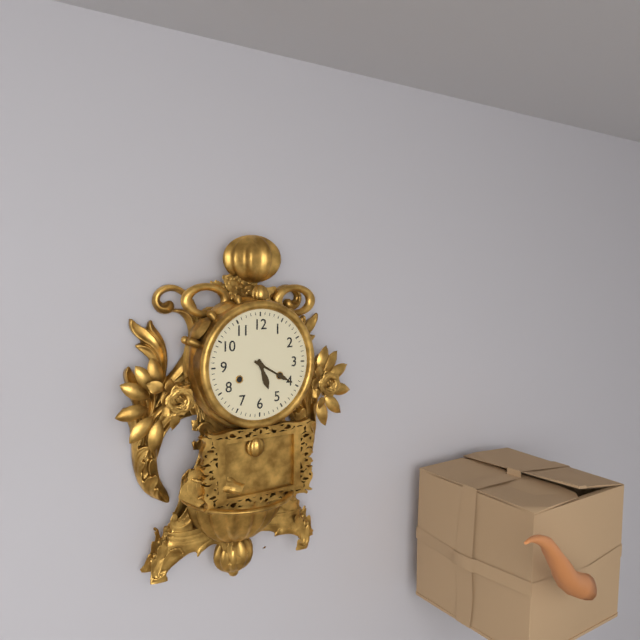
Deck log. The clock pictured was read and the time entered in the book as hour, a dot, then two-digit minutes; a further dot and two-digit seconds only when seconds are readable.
5.20
